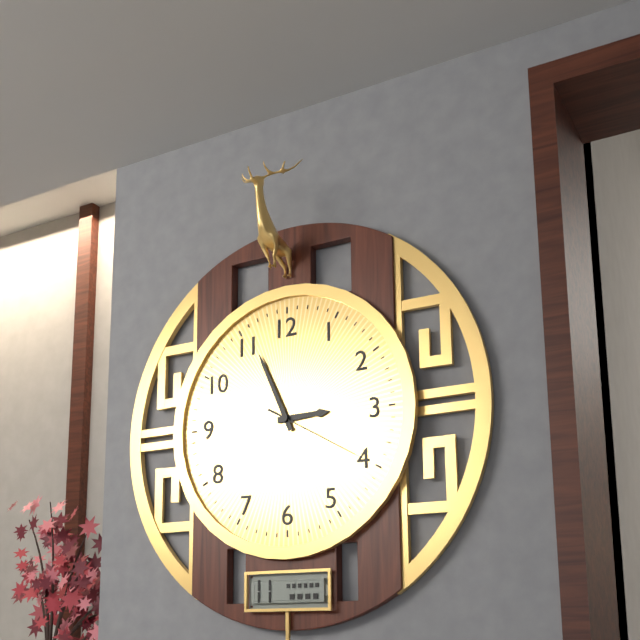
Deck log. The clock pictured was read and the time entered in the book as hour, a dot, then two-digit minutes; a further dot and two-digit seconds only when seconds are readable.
2.56.20
